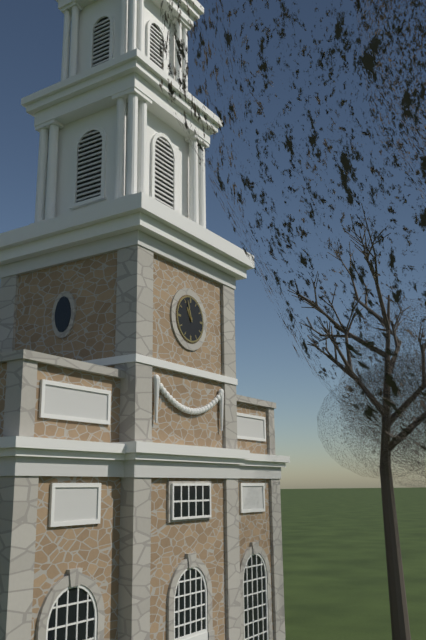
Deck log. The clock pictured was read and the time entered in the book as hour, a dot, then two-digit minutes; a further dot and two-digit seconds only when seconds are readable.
10.57
